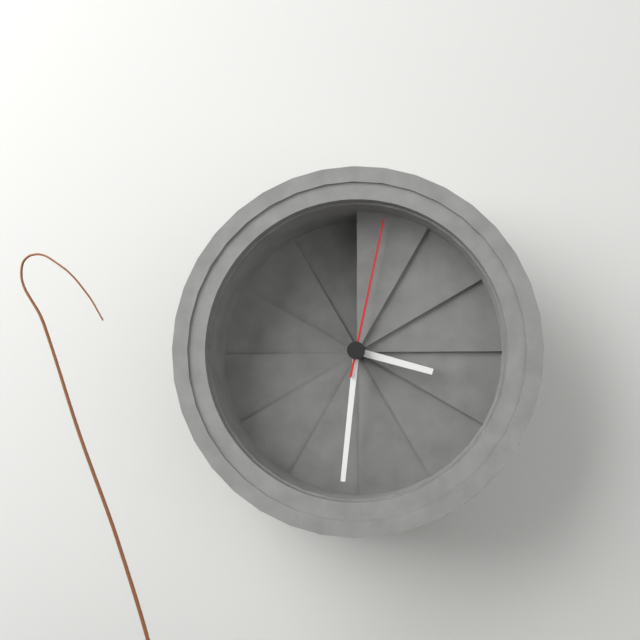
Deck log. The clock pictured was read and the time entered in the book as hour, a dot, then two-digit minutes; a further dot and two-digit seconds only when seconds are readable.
3.31.02
